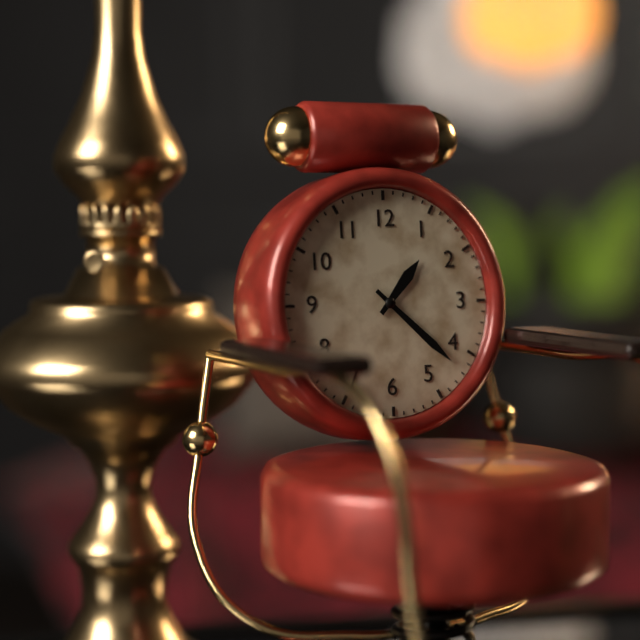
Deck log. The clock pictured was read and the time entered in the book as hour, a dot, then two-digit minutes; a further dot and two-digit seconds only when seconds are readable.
1.22
